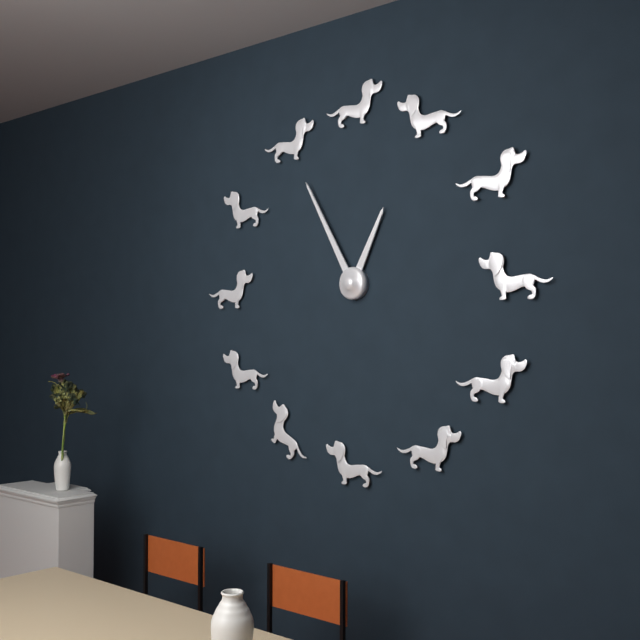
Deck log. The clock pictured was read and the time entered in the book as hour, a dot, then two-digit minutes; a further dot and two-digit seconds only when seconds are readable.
12.55
